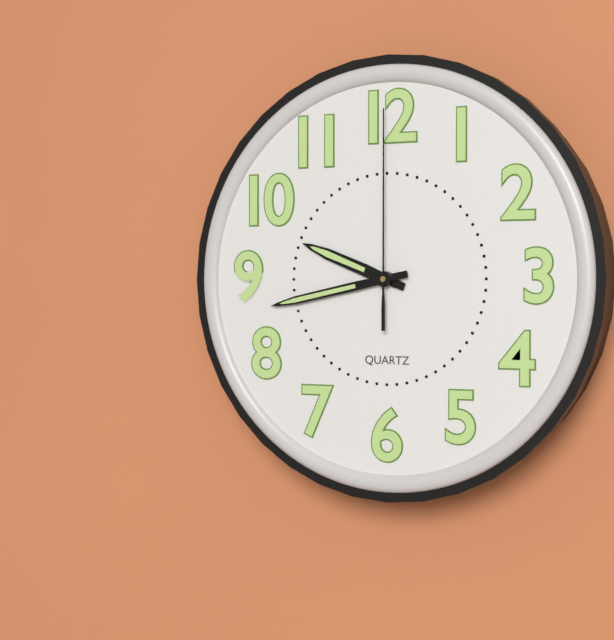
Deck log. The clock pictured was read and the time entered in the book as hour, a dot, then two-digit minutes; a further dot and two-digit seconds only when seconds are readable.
9.43.00
